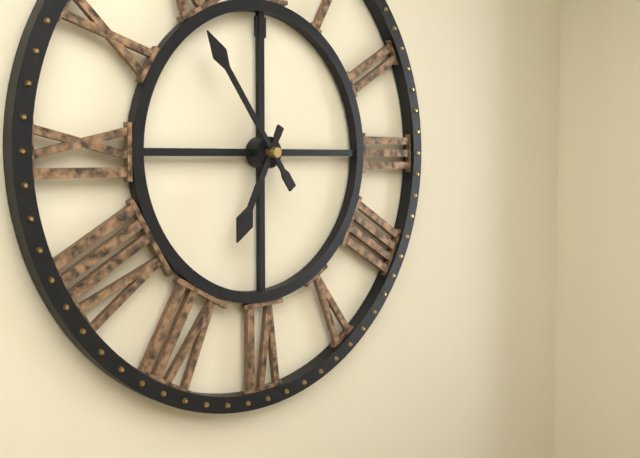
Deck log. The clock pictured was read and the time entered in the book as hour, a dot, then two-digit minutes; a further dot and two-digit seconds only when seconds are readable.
6.54
